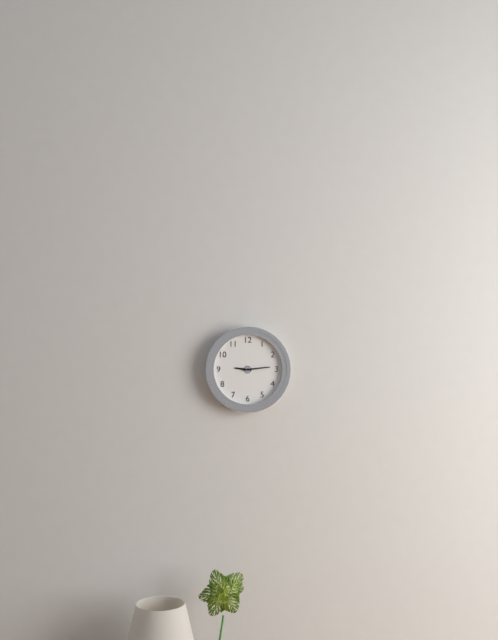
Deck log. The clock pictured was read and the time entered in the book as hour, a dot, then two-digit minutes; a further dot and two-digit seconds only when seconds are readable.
9.14
